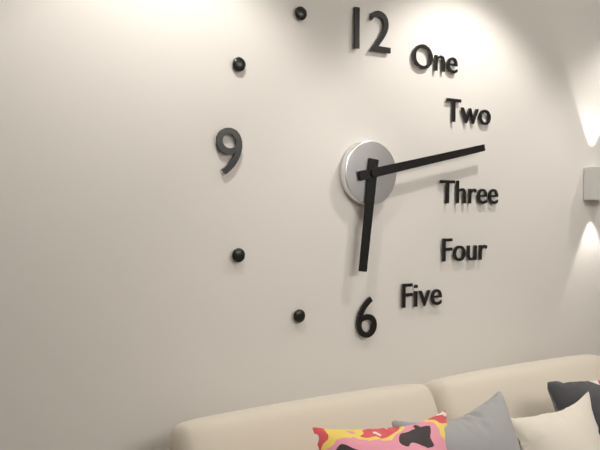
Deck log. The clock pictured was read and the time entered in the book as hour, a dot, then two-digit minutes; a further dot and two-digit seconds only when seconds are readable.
6.13
